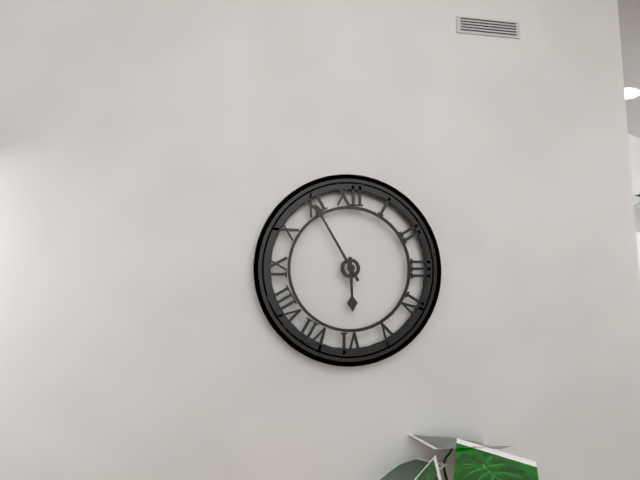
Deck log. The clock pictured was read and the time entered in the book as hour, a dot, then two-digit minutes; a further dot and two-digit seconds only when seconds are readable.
5.55
